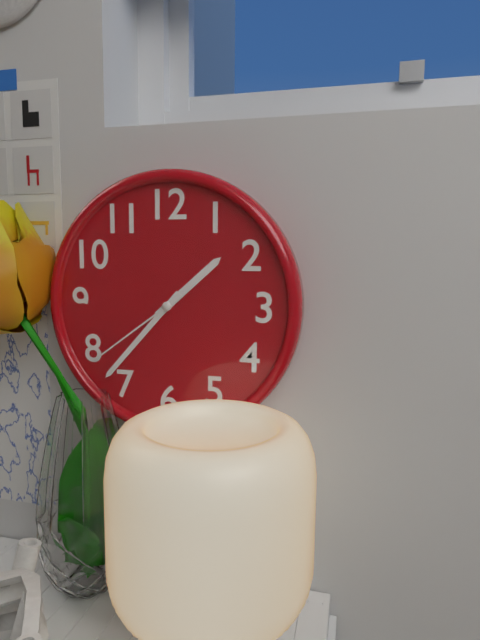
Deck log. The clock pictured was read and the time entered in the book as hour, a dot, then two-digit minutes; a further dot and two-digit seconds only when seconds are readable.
1.37.39
